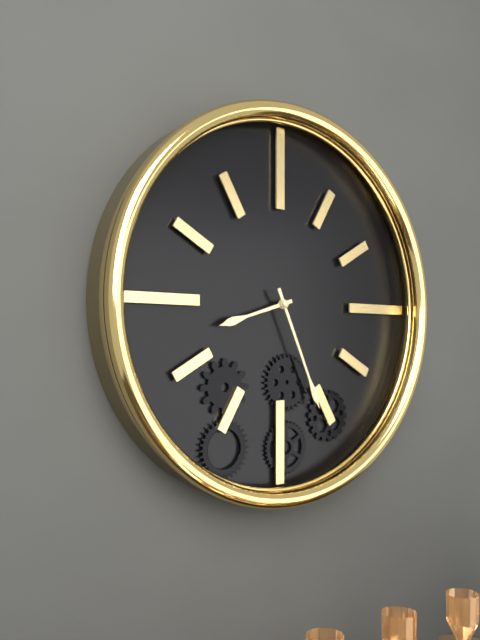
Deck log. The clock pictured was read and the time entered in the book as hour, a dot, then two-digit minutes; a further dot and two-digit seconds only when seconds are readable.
8.26
